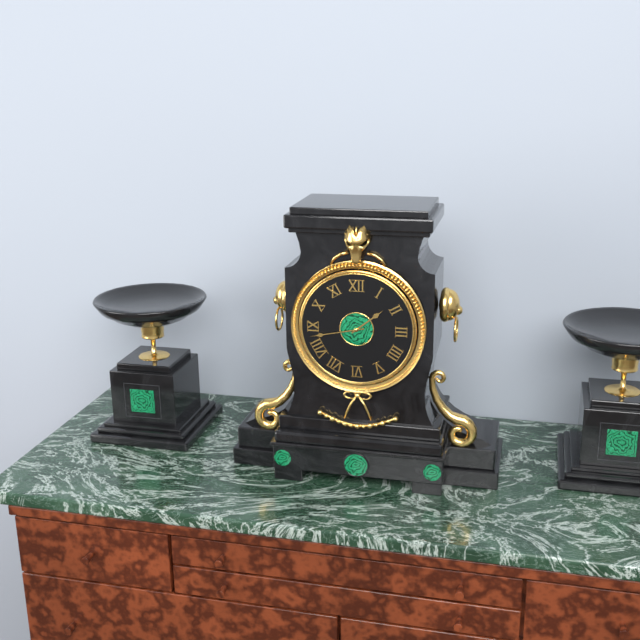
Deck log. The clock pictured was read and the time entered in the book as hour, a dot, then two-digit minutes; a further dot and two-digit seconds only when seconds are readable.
1.43
